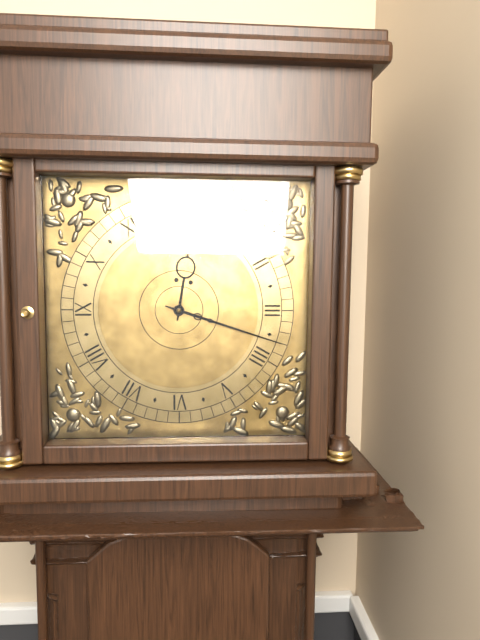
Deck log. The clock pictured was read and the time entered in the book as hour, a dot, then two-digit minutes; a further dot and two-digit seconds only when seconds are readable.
12.18
